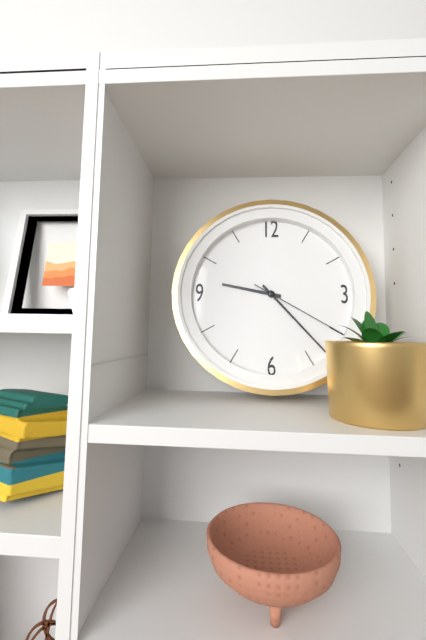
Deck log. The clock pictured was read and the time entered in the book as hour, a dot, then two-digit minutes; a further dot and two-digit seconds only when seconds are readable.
9.23.20
